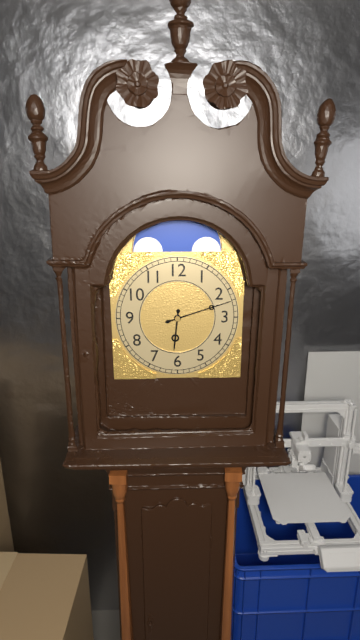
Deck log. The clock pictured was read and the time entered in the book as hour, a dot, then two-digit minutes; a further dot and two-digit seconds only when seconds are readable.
6.12
